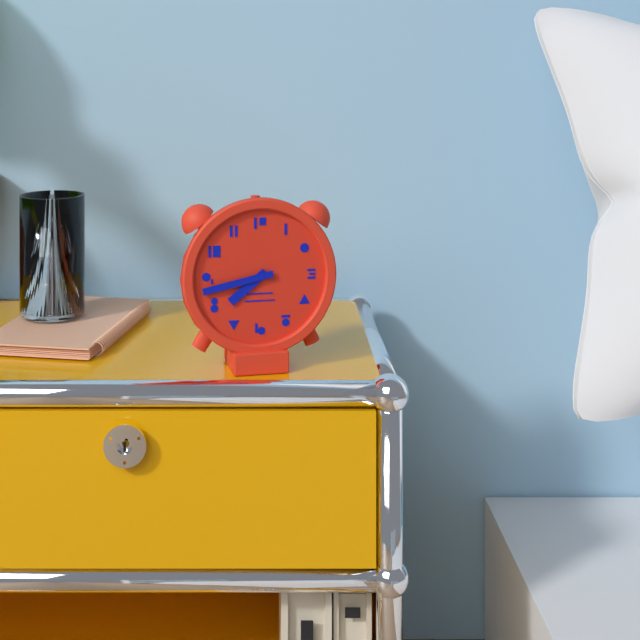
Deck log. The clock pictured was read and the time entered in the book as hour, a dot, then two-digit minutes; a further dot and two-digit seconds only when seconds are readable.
7.43
